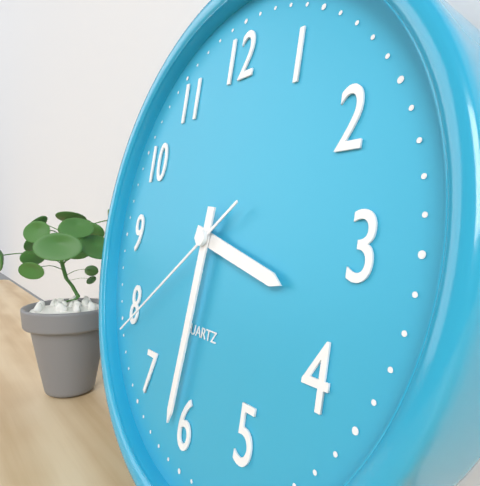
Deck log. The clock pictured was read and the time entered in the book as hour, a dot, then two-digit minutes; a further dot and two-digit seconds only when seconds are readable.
3.31.39
